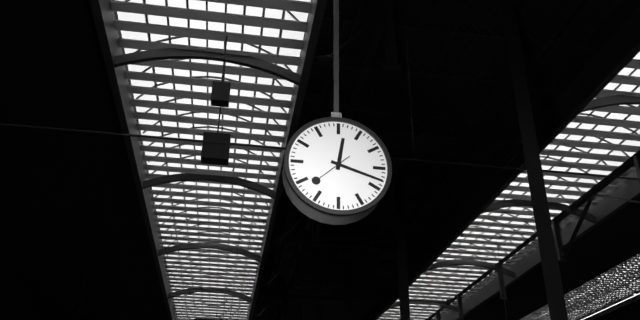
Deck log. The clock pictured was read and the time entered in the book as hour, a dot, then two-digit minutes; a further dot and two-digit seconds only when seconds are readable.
12.18
